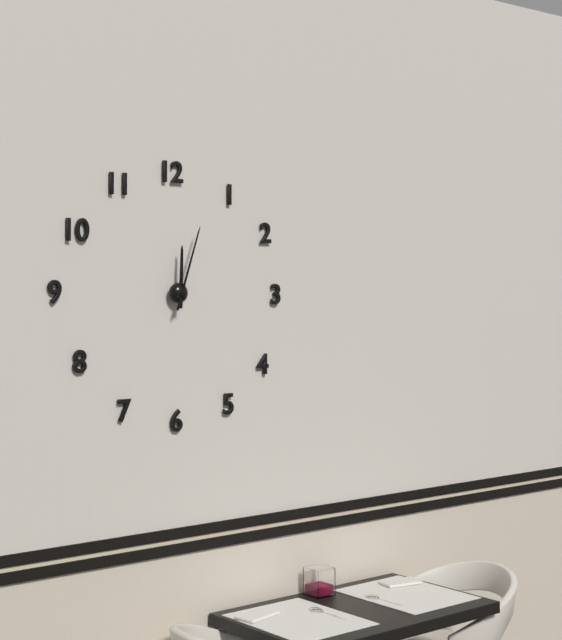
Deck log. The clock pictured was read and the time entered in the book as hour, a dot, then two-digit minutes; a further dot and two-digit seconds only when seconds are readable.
12.03
